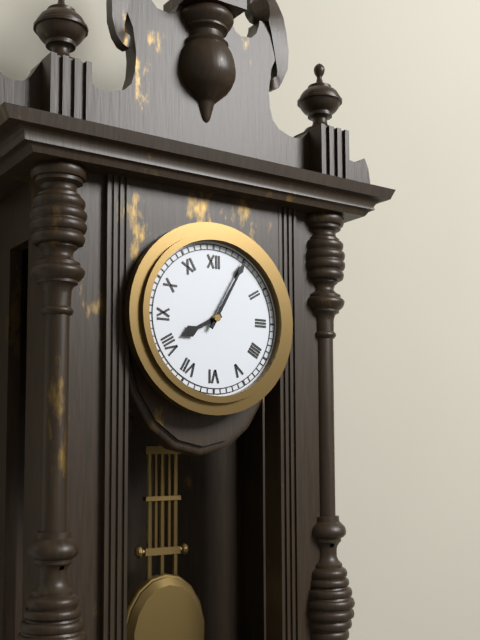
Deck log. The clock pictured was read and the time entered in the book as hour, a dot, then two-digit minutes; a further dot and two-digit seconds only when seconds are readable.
8.05
